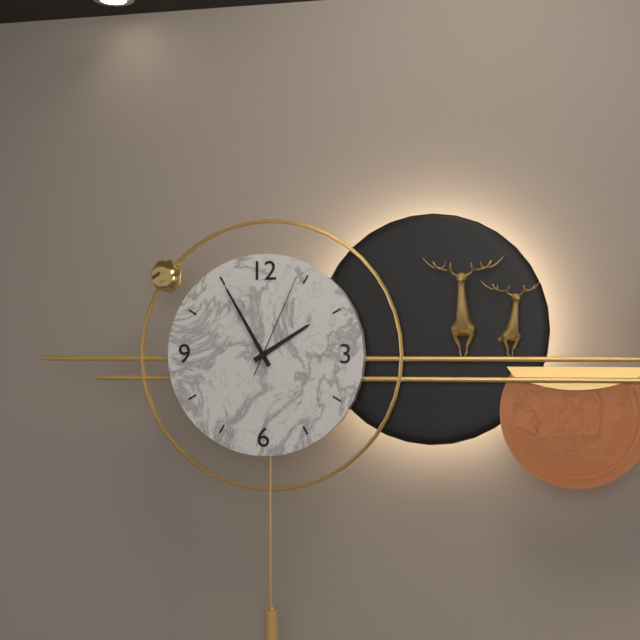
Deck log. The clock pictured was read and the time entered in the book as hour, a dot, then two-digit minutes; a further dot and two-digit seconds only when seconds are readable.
1.55.04
